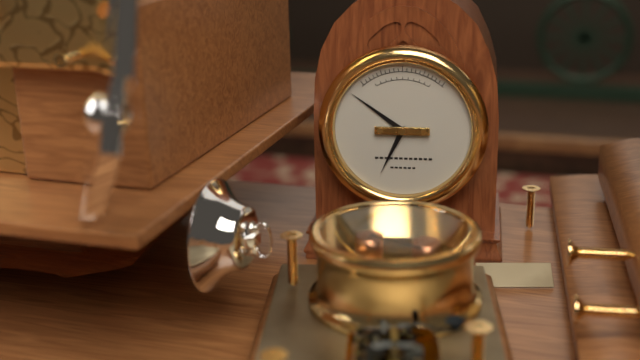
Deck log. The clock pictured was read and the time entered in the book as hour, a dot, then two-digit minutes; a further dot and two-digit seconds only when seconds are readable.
6.51
